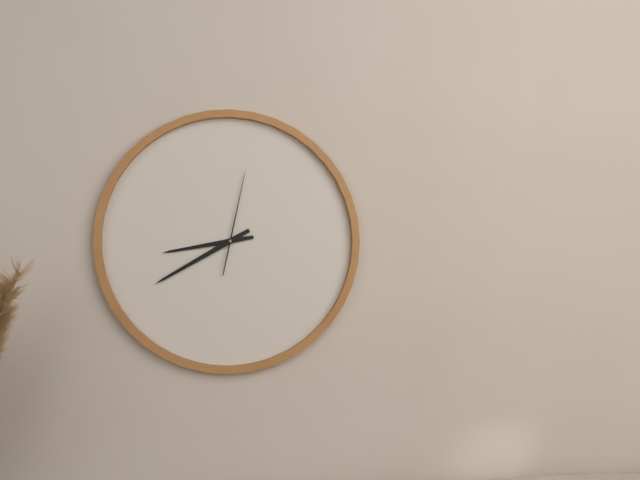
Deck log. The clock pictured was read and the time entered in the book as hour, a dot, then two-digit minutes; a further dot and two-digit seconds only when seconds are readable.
8.40.02
